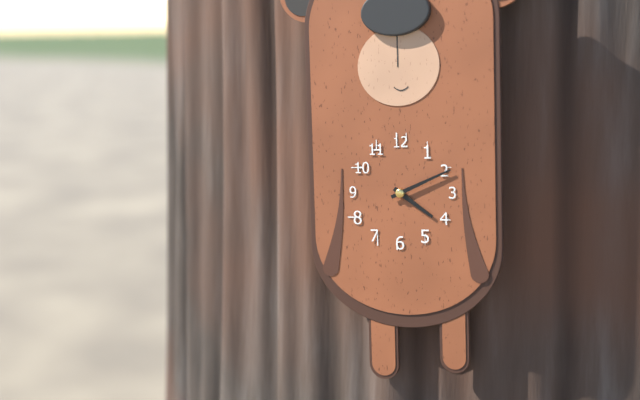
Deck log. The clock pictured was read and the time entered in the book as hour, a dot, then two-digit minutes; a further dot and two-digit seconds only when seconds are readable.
4.11
